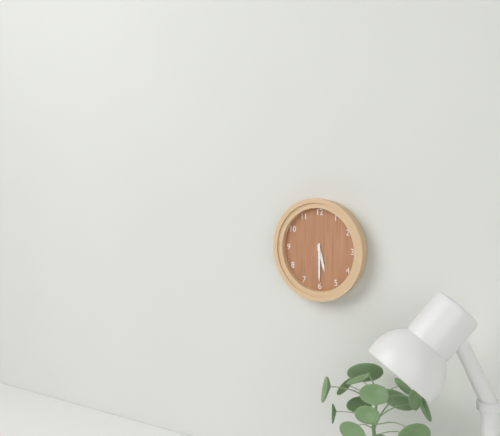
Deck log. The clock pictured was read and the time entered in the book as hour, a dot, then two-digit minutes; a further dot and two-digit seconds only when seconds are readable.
5.30
